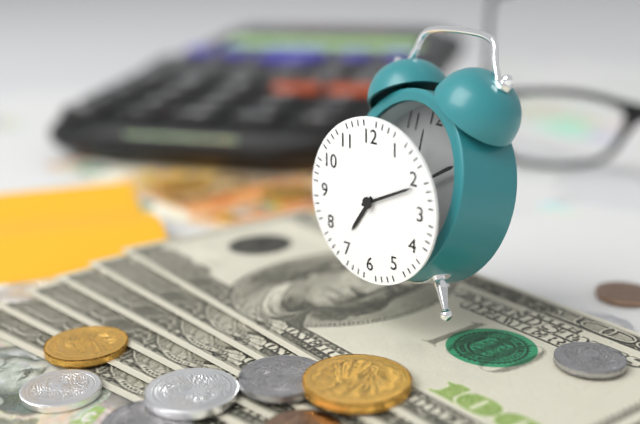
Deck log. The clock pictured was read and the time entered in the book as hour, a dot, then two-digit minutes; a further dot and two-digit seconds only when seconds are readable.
7.11
